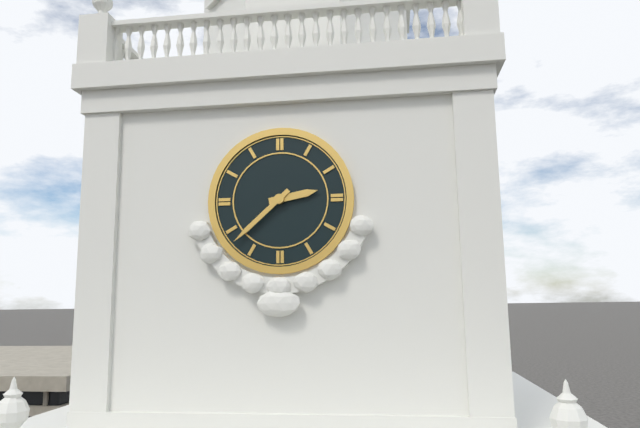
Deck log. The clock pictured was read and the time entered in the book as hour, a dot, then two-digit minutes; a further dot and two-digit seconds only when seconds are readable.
2.38
